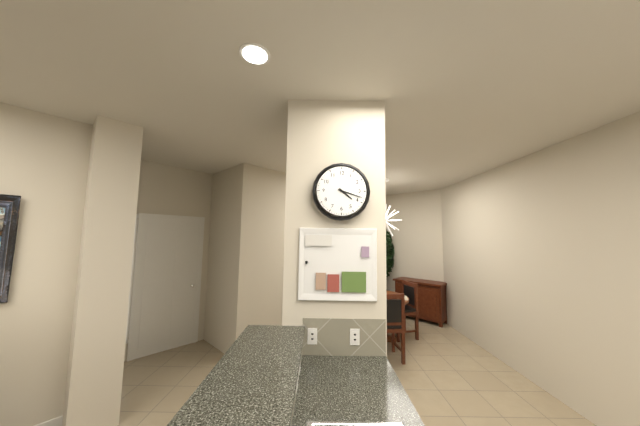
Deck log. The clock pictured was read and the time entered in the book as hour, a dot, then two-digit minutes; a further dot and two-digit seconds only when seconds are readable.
4.18
